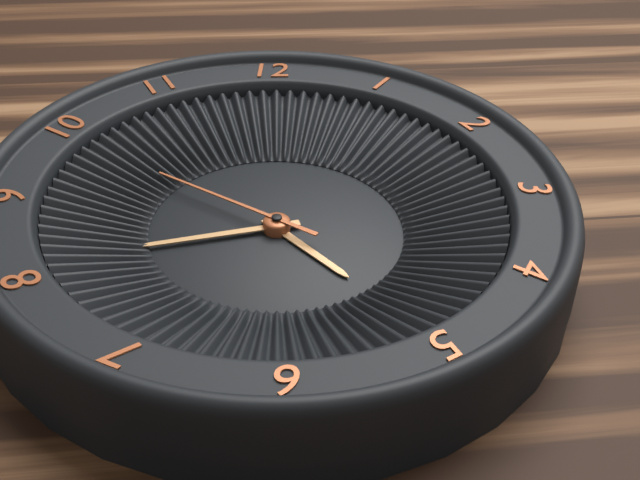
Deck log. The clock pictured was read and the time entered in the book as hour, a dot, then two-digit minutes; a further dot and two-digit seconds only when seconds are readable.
4.43.51
